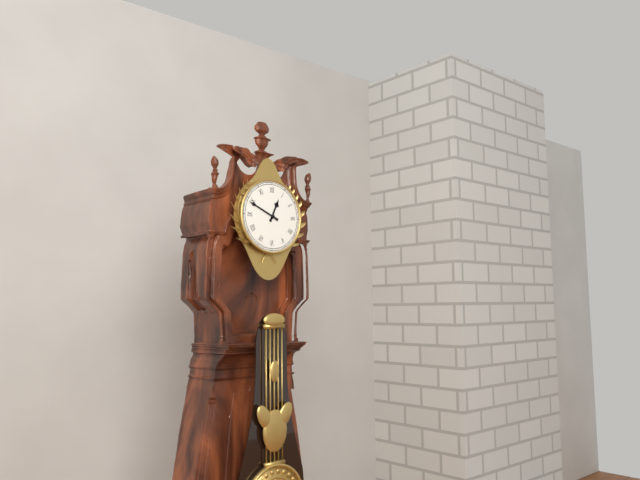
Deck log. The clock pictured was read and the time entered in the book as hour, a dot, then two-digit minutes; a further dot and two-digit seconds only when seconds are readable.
12.49
